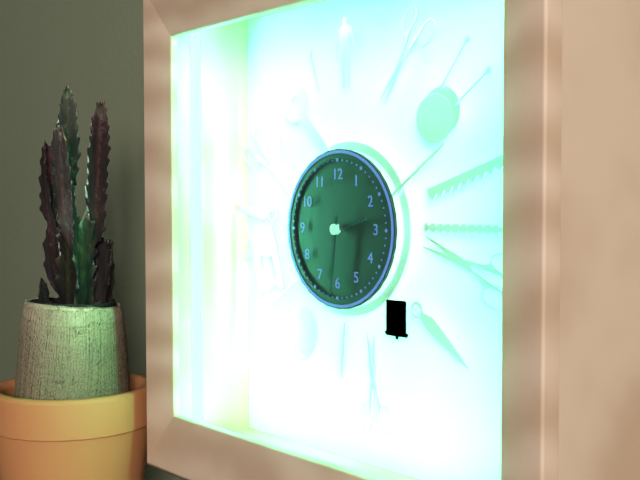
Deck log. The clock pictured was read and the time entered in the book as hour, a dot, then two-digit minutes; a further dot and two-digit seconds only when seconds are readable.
2.31
